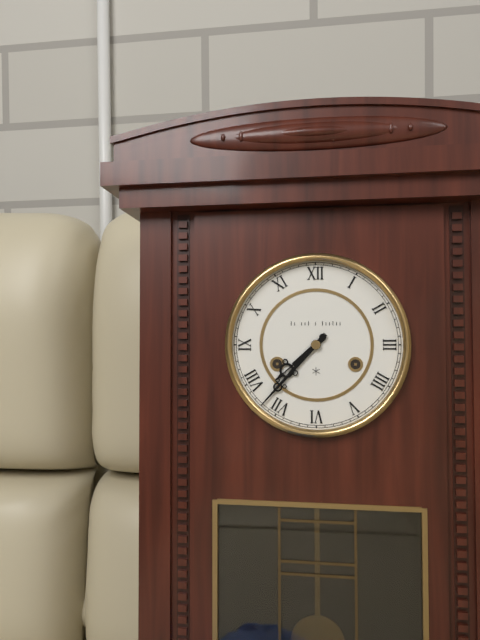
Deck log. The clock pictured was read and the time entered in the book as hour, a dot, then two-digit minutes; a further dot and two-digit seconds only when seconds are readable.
7.37
